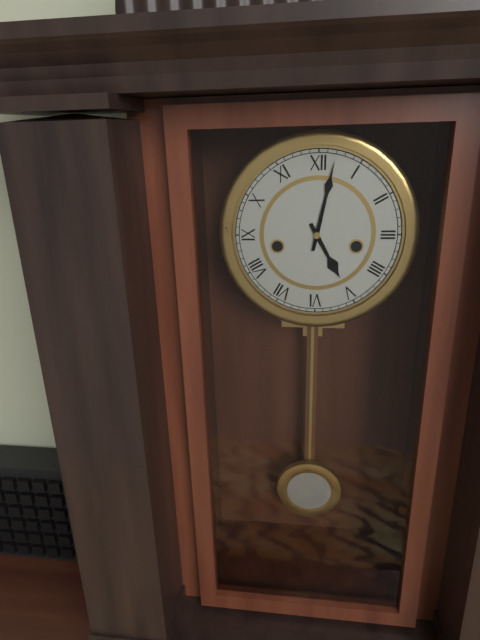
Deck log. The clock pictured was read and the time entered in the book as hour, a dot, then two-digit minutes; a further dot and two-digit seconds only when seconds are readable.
5.02
